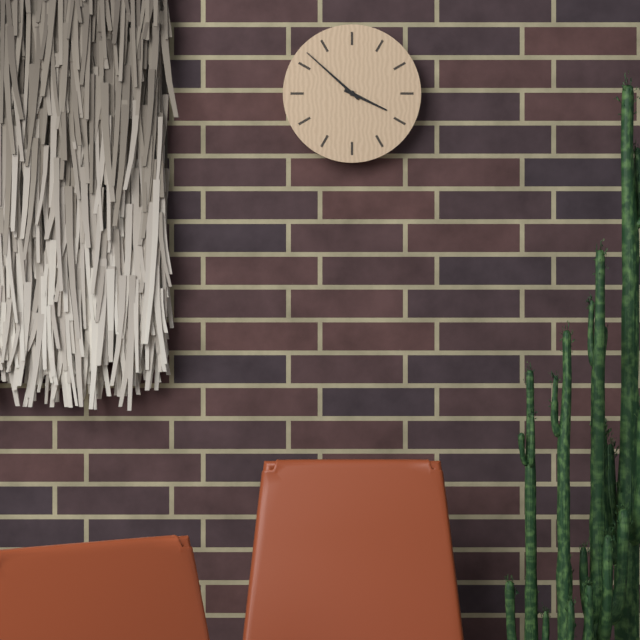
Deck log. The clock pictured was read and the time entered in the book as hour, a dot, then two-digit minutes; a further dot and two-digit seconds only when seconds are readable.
3.52
